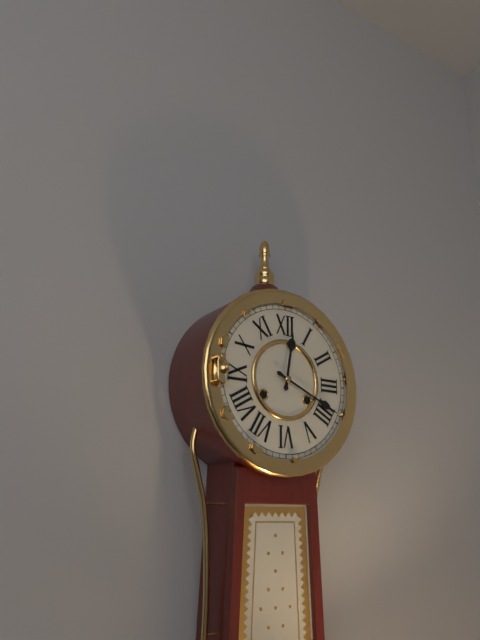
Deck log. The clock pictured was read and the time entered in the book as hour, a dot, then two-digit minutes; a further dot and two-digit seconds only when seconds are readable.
12.19
